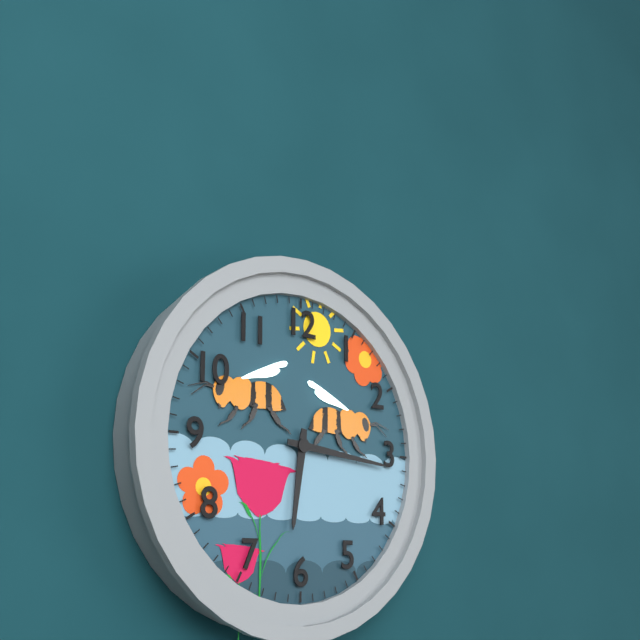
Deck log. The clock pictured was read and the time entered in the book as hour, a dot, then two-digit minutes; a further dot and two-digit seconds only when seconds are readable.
6.16
